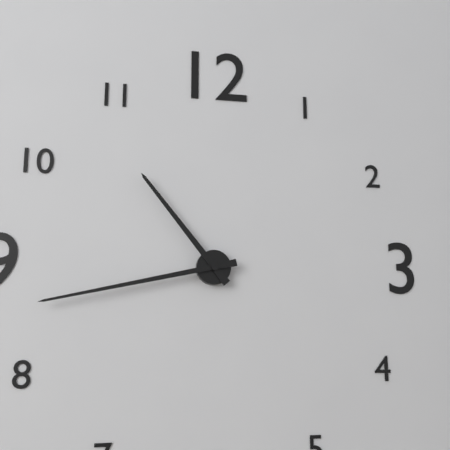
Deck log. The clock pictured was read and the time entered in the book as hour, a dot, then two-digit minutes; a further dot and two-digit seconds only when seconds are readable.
10.43
